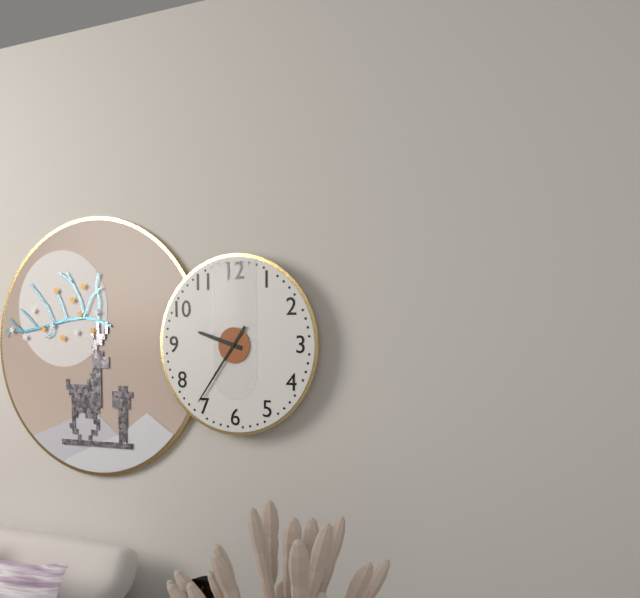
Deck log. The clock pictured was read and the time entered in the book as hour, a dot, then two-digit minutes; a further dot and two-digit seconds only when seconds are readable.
9.36
